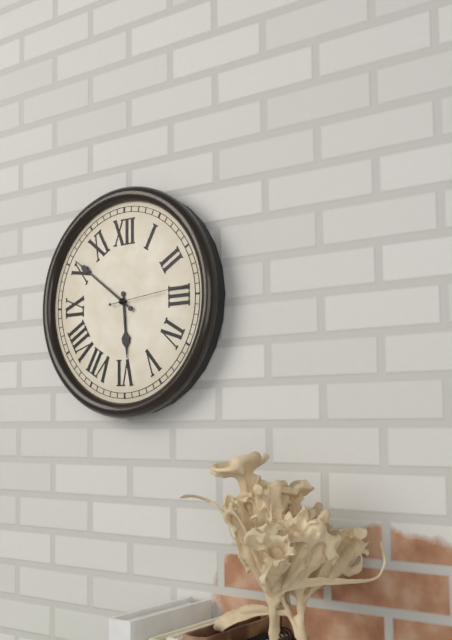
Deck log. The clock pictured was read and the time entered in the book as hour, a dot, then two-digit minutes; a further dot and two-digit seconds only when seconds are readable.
5.51.14
